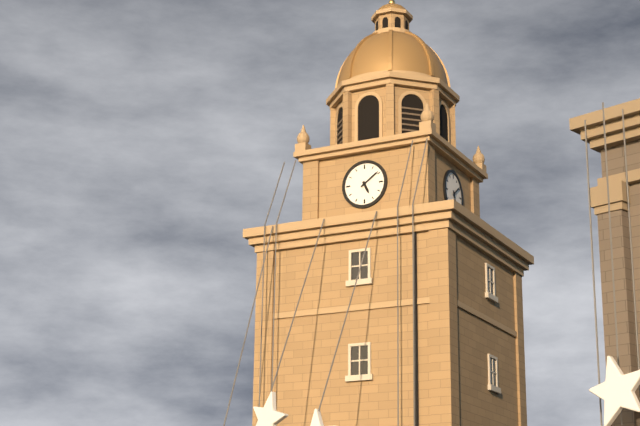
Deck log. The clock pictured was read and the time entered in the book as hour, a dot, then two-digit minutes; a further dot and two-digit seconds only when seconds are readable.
5.09
